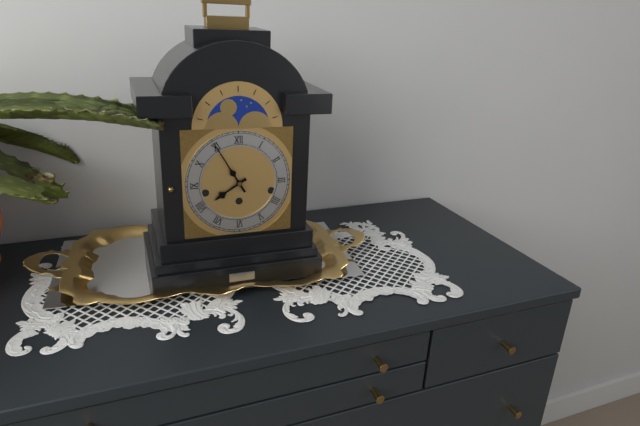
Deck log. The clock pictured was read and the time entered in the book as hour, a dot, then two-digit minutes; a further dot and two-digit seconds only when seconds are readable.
7.55
